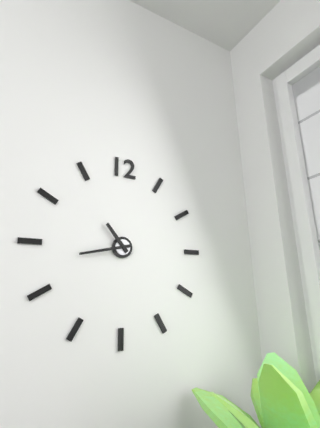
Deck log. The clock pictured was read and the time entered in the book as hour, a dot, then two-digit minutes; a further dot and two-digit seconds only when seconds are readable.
10.43
